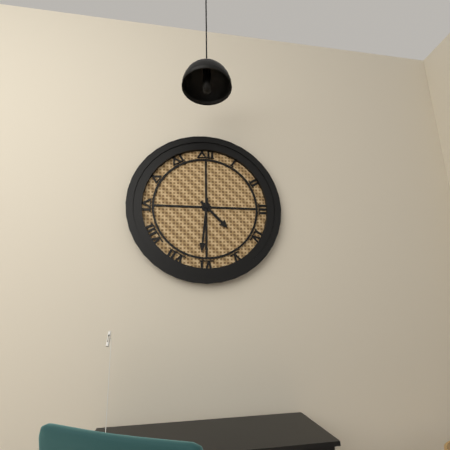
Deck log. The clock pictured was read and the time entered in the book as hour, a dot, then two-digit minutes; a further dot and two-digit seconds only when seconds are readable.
4.31
